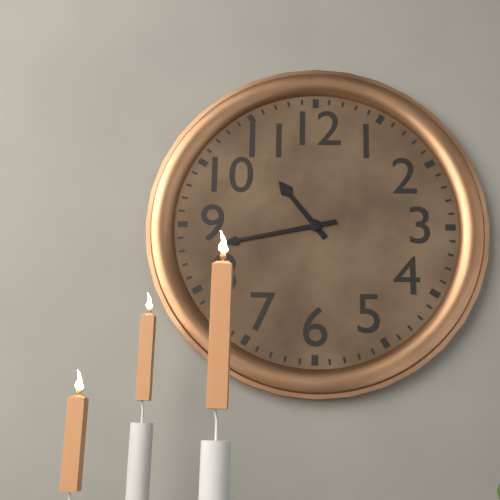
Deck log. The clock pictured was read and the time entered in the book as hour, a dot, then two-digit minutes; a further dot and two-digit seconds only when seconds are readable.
10.43
